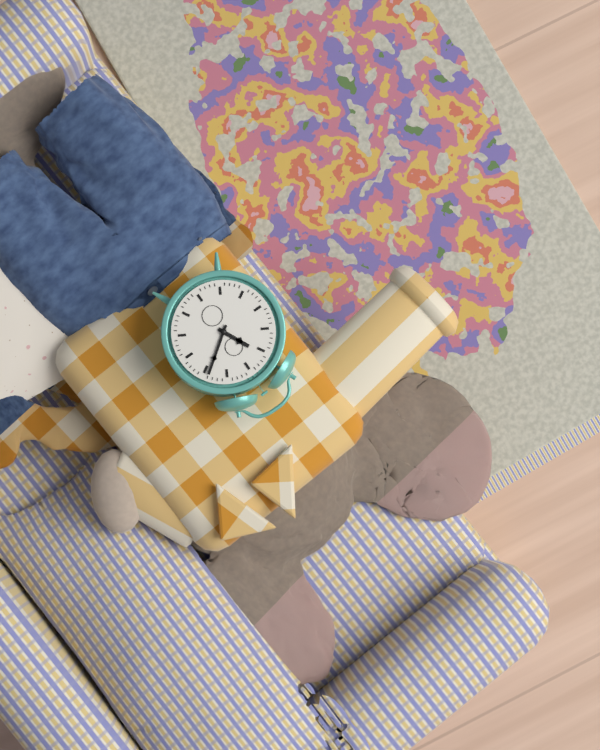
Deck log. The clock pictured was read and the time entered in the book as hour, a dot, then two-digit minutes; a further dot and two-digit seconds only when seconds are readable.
11.09
